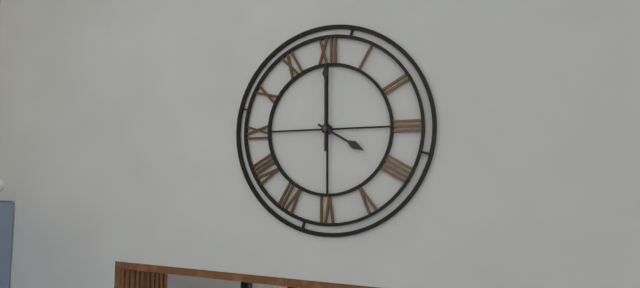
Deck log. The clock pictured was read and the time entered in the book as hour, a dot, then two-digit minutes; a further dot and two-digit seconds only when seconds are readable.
4.00
